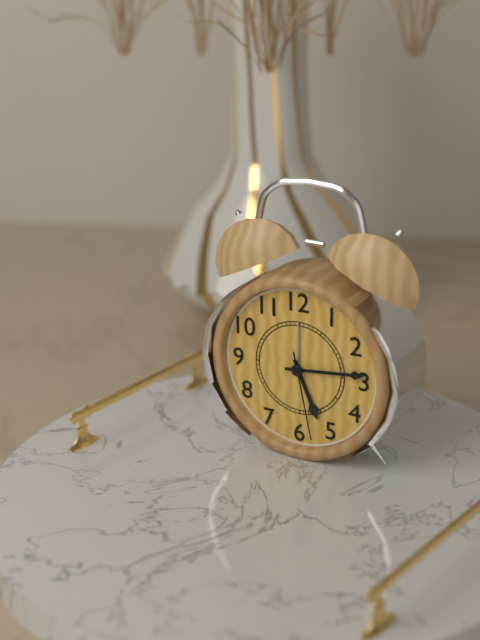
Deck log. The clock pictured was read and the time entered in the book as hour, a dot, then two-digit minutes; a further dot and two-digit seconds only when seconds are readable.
5.14.28
